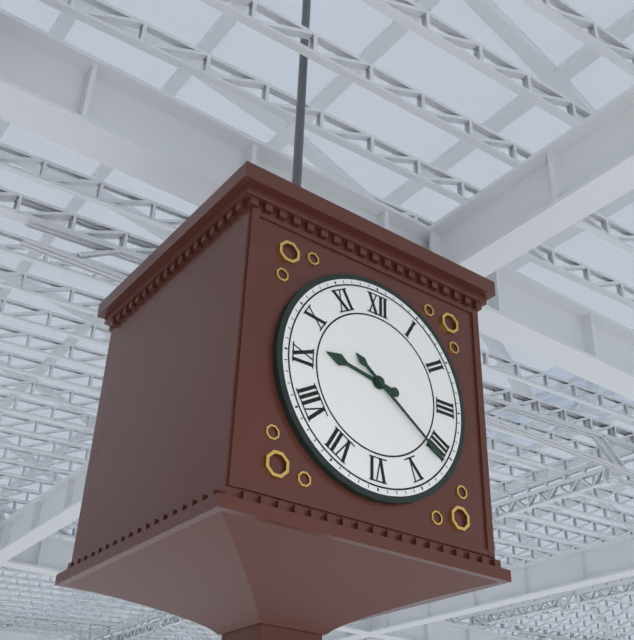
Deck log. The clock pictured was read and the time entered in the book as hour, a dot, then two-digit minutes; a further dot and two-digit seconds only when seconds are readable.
9.21
